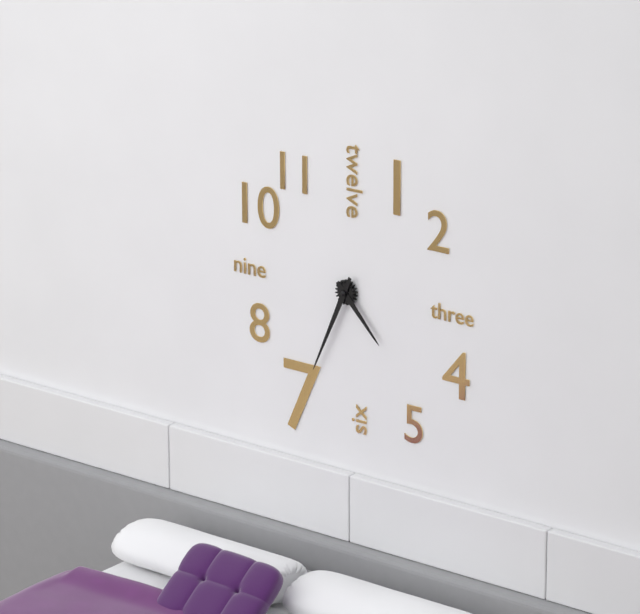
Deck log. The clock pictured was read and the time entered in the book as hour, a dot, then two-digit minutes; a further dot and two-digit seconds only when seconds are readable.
4.34
